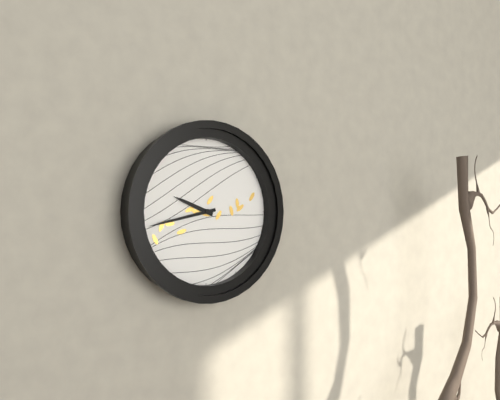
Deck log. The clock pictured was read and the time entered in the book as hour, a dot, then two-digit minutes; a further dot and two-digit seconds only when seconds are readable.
9.43
